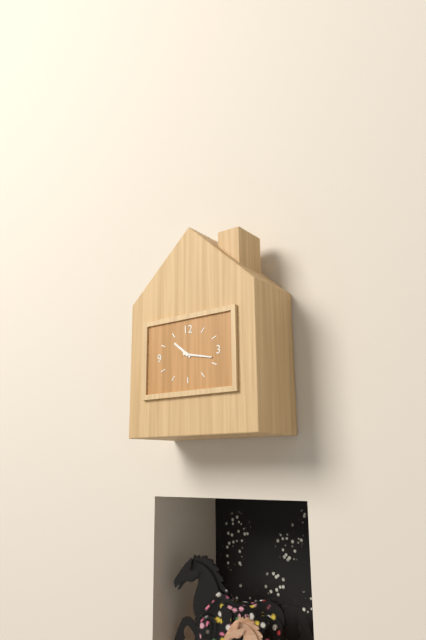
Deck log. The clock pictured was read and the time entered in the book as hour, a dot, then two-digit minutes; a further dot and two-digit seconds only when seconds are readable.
10.17
